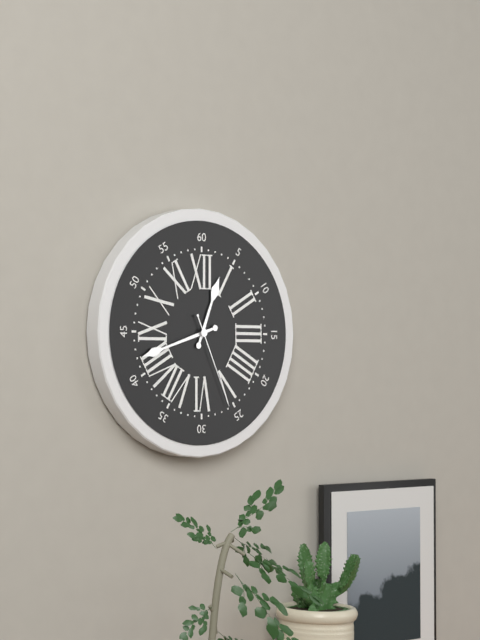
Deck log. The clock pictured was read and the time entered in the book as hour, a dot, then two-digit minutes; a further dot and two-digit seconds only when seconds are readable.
12.42.26
